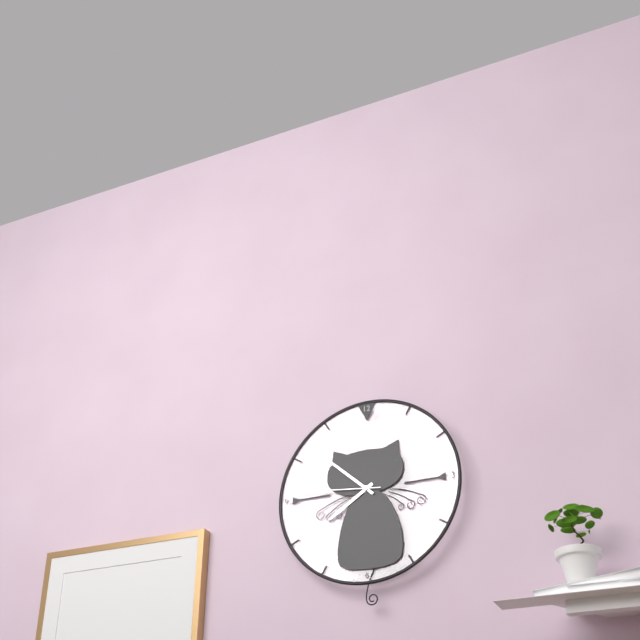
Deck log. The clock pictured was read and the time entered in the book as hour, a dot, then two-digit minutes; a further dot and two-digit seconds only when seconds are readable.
7.52.46
